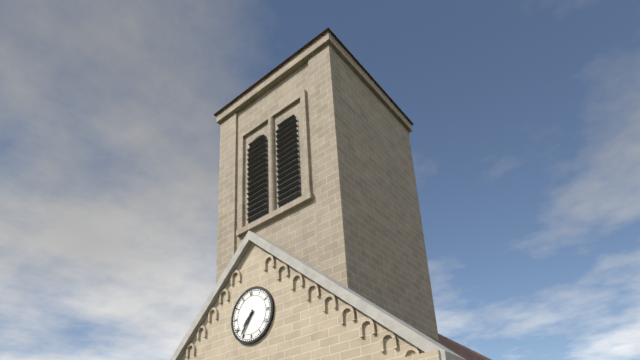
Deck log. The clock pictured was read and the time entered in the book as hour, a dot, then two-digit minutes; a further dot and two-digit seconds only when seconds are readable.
7.36
